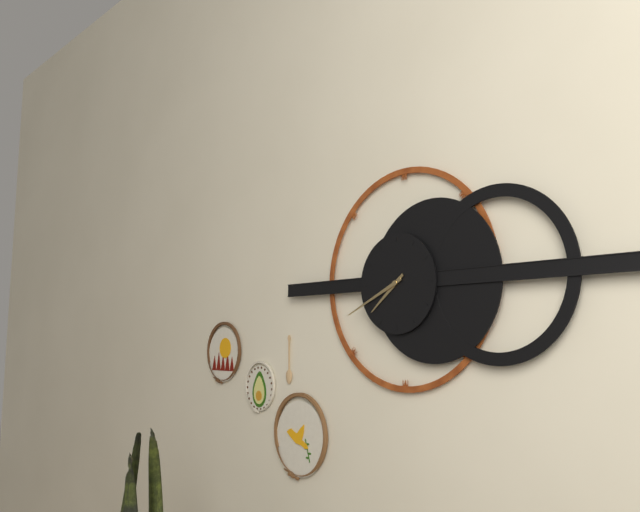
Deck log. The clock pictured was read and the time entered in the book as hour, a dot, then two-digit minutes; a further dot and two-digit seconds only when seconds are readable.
7.41
